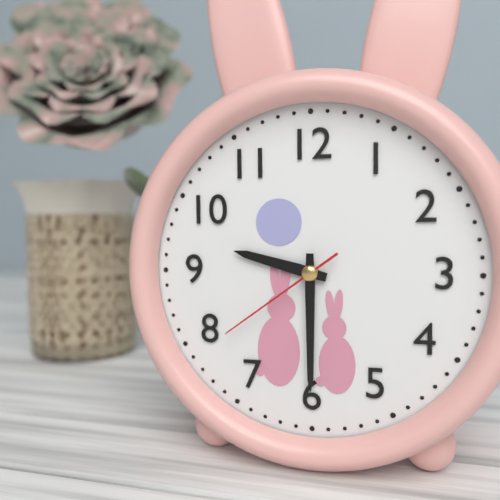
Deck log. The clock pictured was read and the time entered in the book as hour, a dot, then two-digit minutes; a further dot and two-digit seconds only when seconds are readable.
9.30.39
